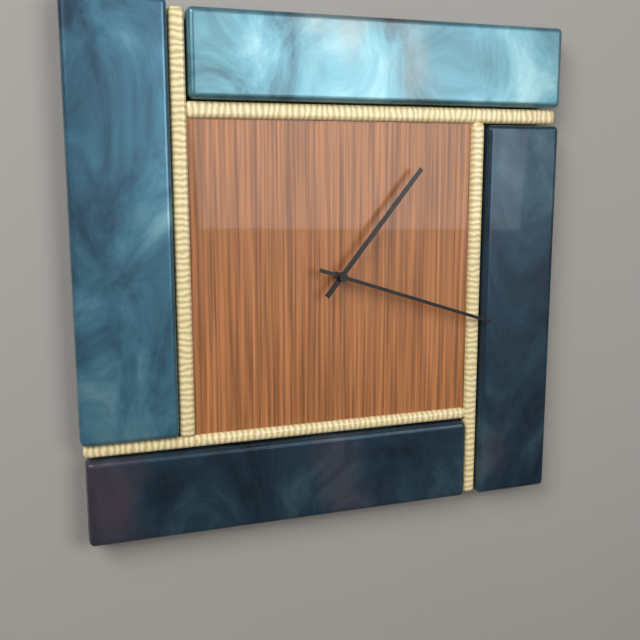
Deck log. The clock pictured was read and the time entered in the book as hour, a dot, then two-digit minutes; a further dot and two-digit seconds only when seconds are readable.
1.18
